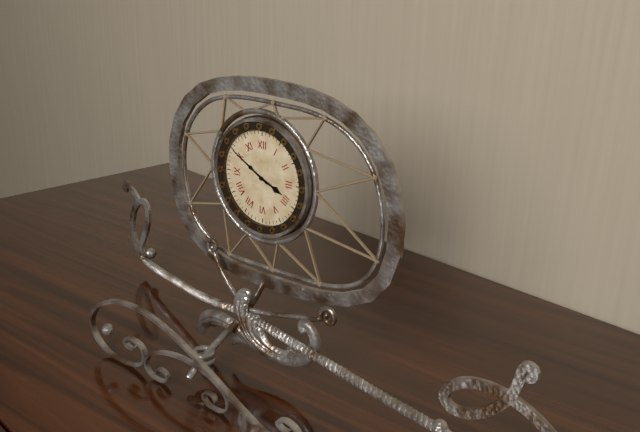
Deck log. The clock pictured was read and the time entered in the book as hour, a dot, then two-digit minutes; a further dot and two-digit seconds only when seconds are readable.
3.50
